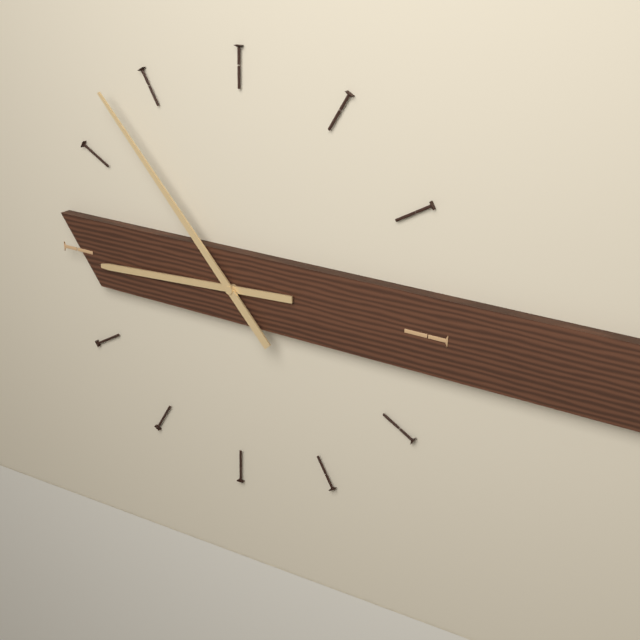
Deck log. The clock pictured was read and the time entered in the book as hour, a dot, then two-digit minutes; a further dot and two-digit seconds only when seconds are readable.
8.53
